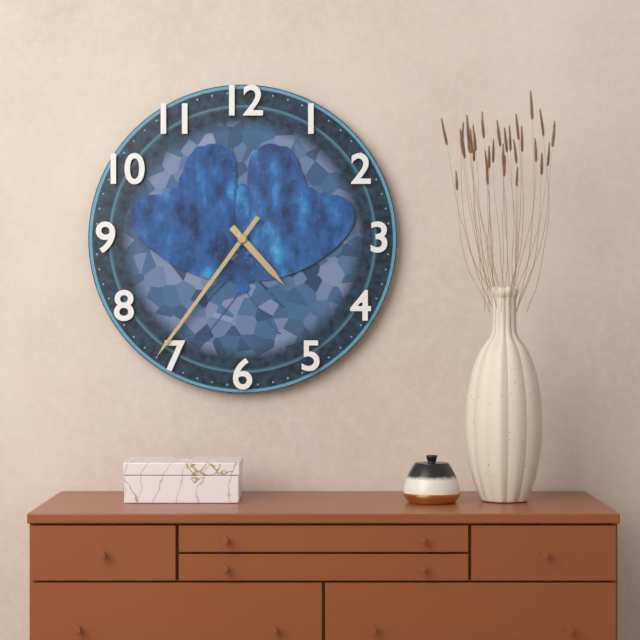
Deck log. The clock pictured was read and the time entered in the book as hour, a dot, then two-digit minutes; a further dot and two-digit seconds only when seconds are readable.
4.36
